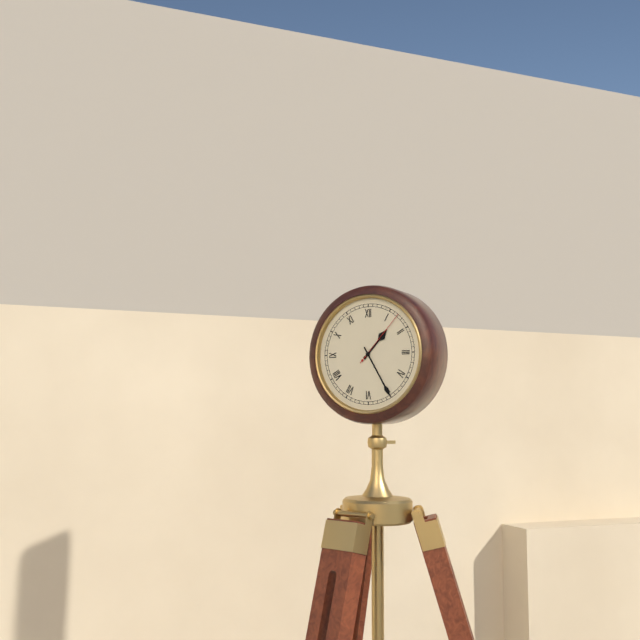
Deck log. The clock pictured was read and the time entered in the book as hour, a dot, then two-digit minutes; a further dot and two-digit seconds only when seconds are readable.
1.25.07
